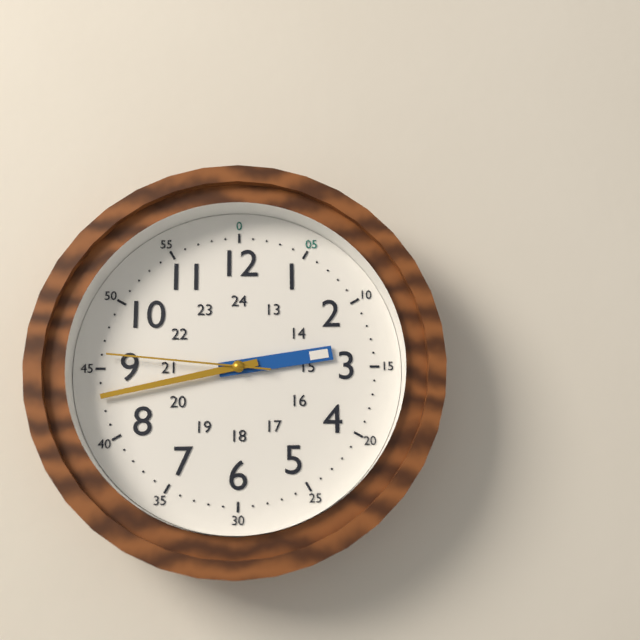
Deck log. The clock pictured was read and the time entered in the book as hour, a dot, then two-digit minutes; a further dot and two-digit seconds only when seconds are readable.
2.43.46
